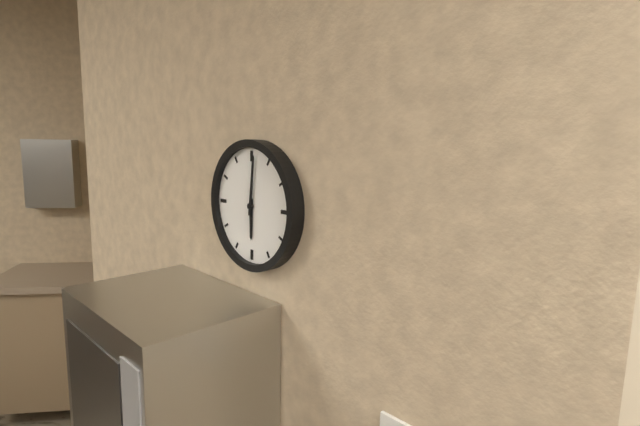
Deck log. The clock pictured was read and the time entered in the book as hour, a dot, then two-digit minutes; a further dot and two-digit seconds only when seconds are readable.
6.01
